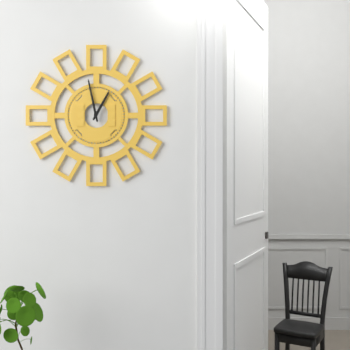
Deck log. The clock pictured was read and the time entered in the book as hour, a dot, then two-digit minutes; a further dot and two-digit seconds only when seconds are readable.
12.58
